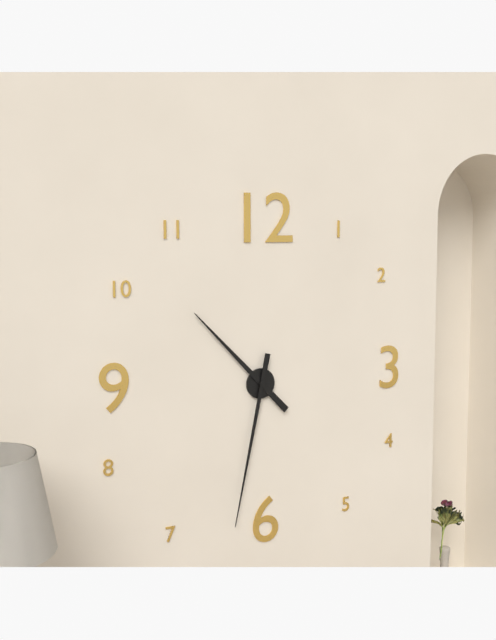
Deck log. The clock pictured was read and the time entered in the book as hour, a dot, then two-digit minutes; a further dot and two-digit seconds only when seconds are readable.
10.32
